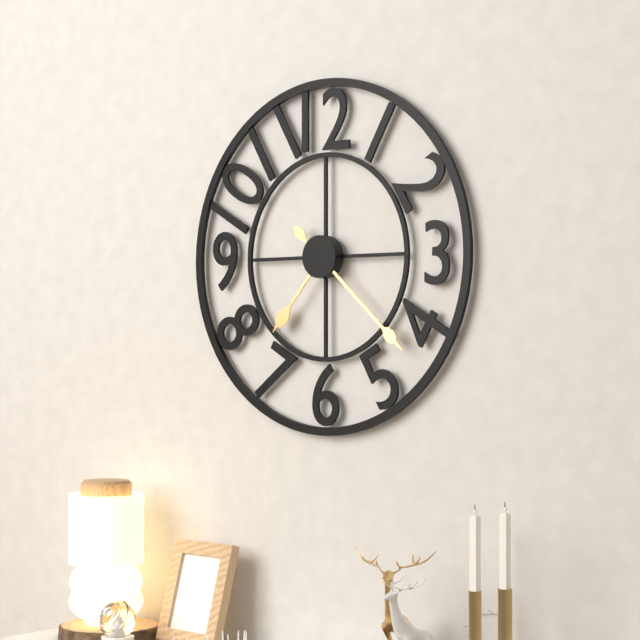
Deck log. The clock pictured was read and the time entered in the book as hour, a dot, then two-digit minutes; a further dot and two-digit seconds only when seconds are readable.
7.22
